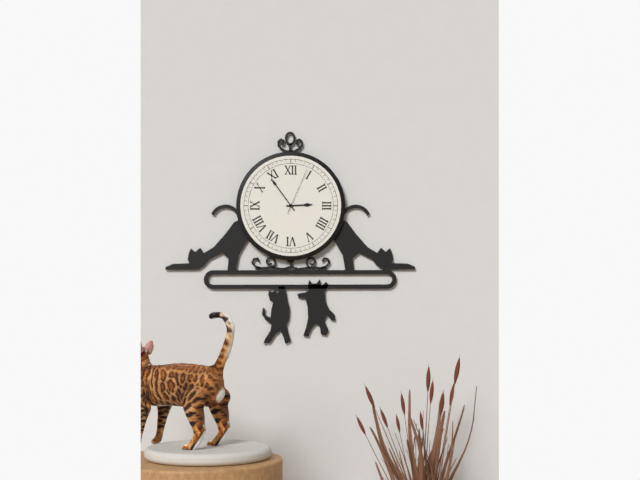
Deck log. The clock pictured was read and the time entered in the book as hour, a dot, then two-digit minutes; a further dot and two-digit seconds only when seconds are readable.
2.54.04
